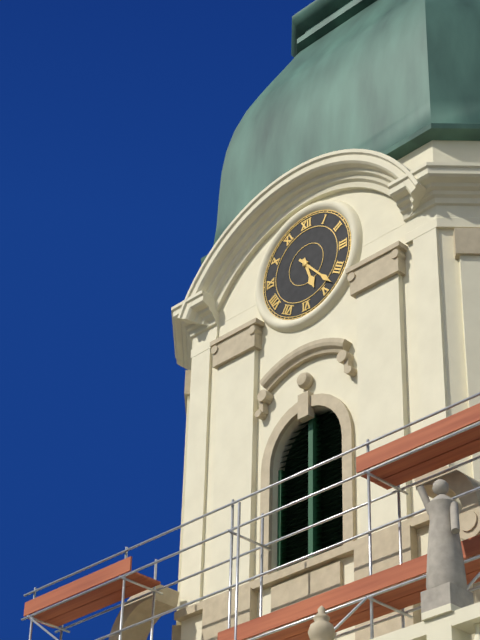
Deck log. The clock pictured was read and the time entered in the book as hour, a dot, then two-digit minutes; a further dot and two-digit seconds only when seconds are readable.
5.23
